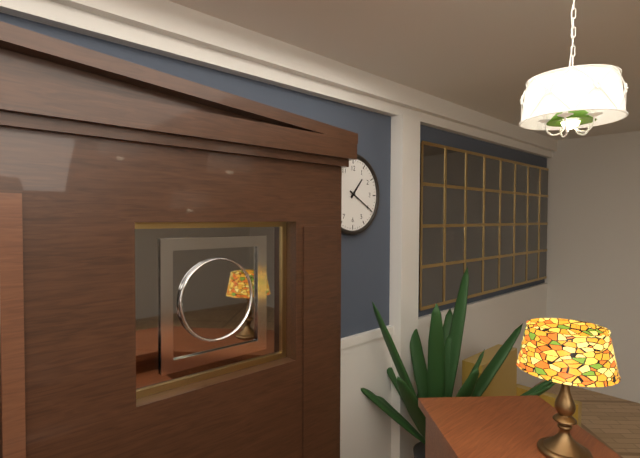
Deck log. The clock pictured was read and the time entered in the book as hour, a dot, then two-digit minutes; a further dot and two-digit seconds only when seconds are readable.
1.20
